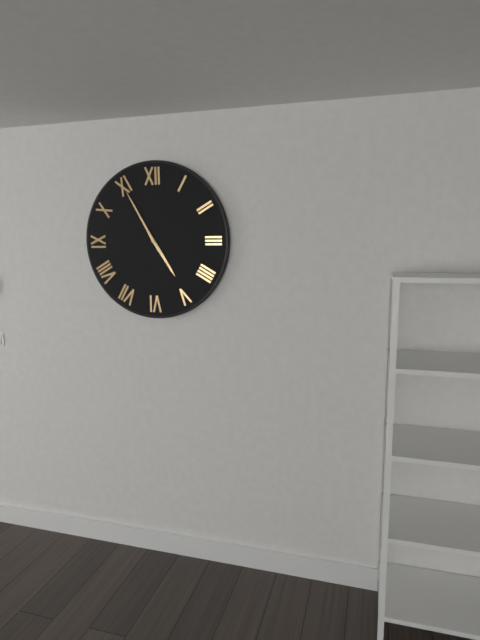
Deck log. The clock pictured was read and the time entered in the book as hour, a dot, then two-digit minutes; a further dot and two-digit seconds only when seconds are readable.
4.55
